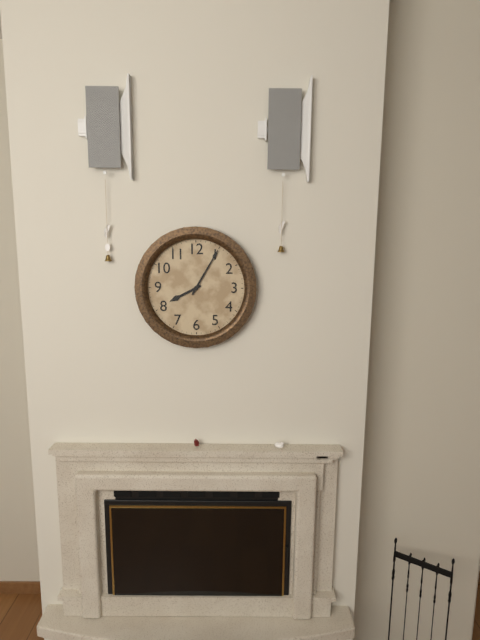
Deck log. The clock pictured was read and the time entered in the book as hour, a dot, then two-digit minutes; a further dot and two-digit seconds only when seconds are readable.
8.05
